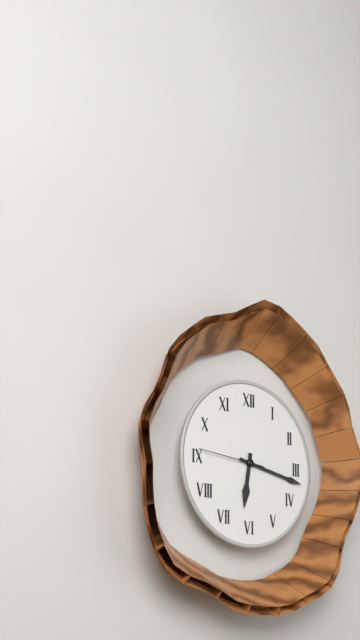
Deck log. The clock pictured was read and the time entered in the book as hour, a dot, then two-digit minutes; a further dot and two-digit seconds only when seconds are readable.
6.17.46
